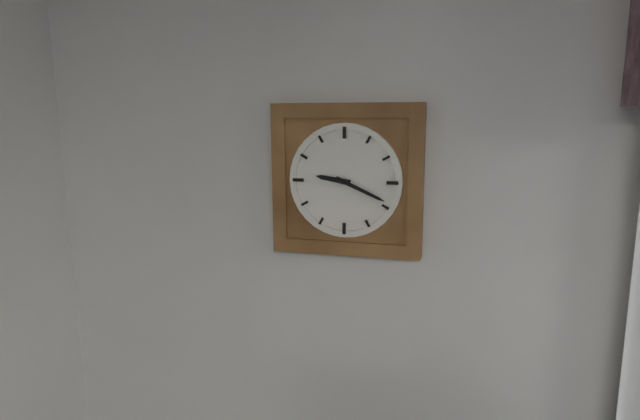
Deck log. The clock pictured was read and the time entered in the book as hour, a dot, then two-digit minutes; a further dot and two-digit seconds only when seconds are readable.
9.19
